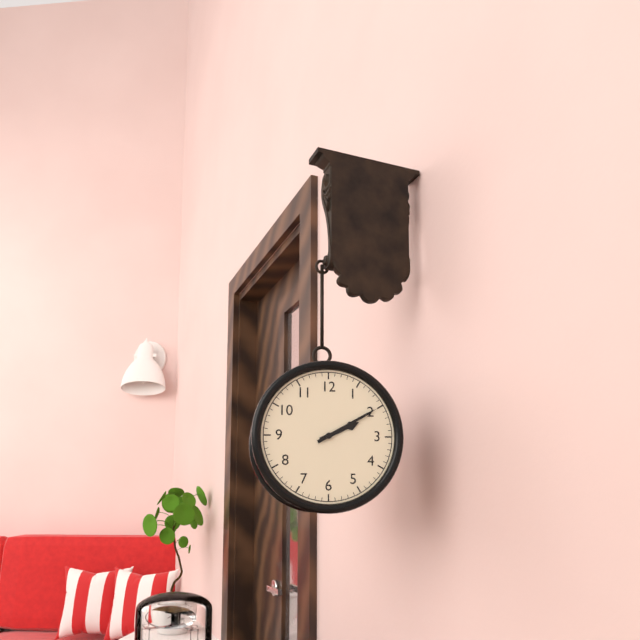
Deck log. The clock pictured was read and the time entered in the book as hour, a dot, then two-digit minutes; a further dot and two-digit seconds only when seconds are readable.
2.10
